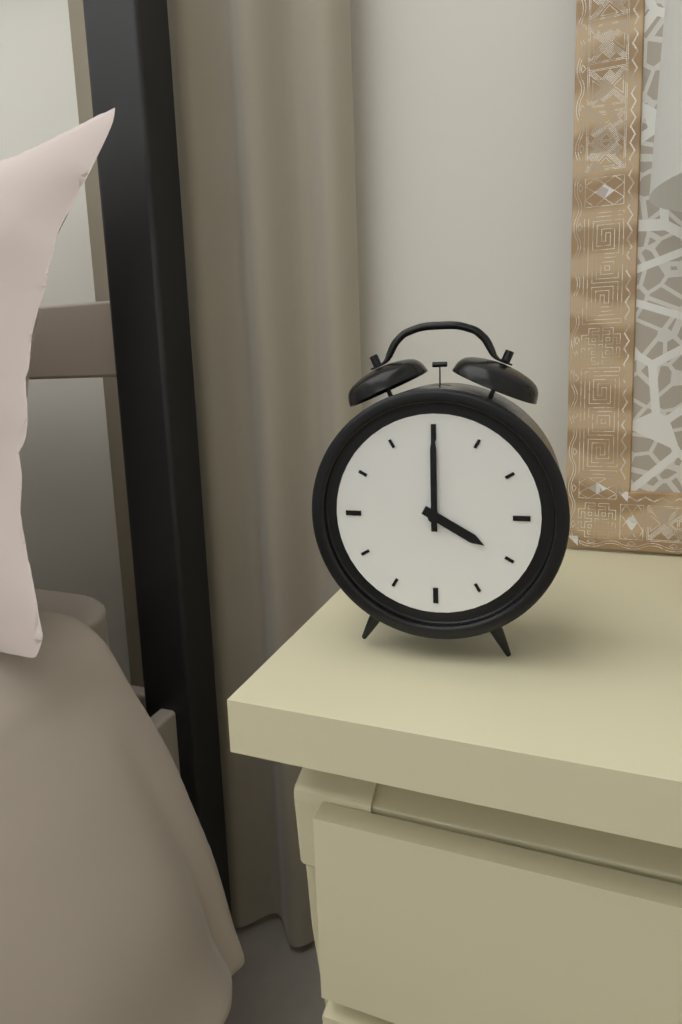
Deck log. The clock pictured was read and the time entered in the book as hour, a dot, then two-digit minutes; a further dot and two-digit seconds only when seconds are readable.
4.00
